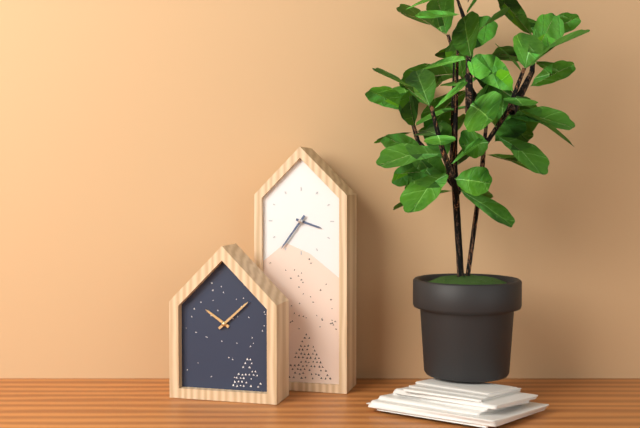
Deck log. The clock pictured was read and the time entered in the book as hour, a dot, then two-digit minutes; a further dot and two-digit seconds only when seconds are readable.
3.36
